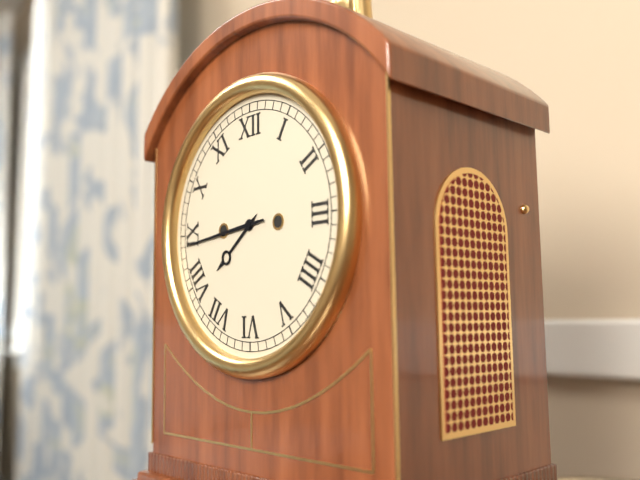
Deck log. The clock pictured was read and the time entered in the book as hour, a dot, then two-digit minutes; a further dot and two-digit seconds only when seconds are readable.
7.44
